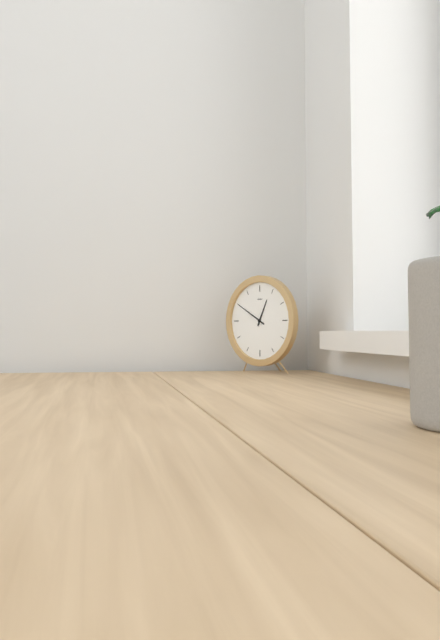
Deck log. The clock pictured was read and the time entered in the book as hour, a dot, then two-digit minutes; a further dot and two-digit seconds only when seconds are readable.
12.50
